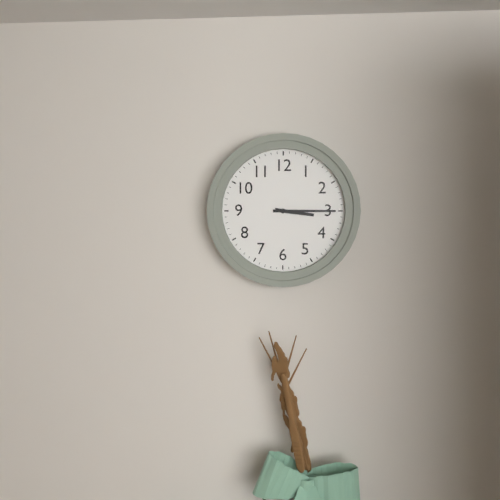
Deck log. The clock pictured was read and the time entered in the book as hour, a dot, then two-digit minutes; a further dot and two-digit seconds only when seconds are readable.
3.15
